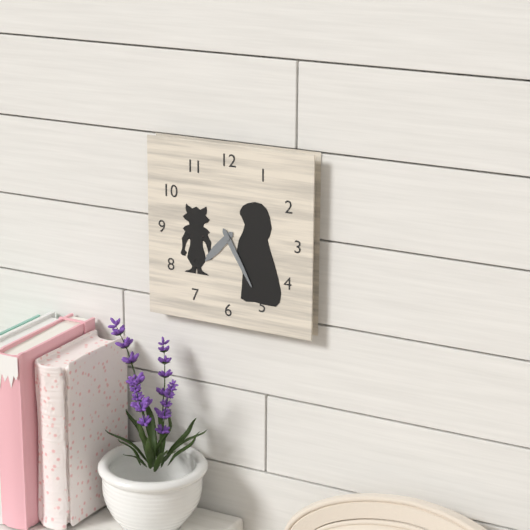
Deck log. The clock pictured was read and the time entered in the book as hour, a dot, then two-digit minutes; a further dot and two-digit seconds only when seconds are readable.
7.25
